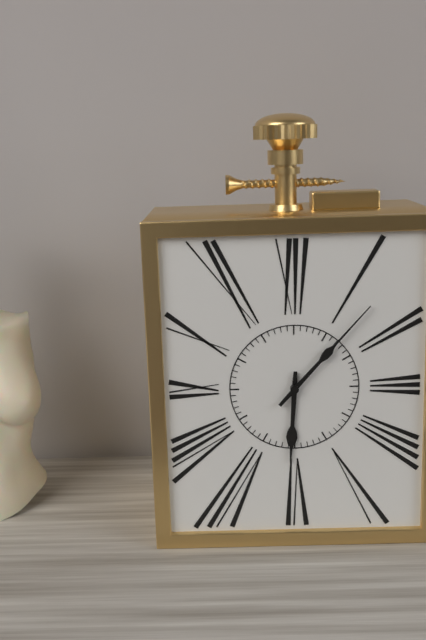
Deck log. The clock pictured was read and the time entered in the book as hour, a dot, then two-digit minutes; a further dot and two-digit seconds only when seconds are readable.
6.07
